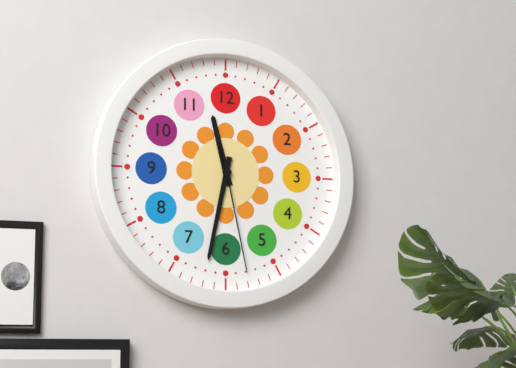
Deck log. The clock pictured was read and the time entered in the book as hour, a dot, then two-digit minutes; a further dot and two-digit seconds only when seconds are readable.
11.32.28
